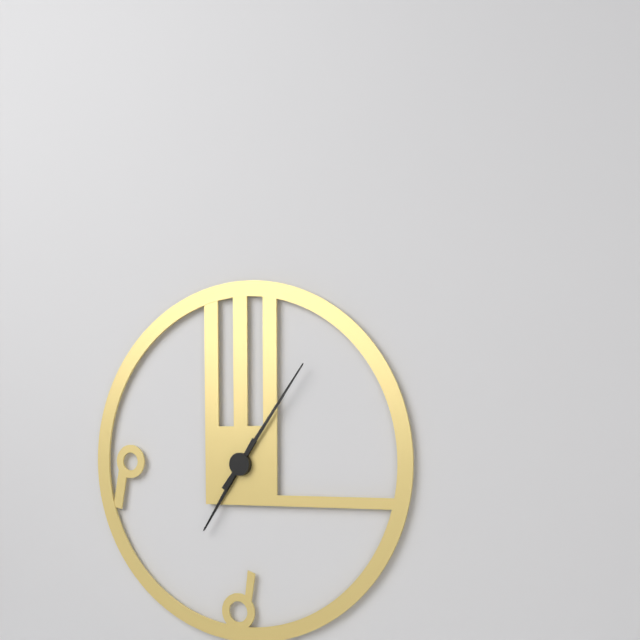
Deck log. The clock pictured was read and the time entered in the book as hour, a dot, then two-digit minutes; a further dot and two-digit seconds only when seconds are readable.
7.06
